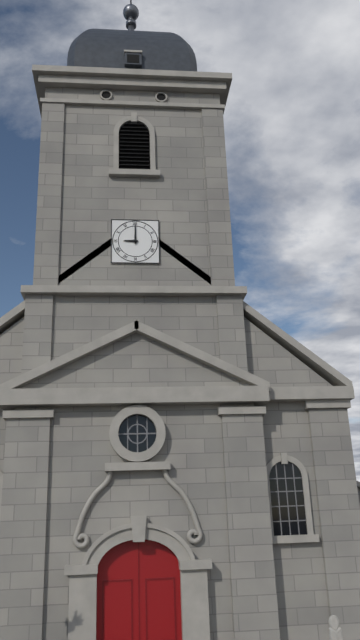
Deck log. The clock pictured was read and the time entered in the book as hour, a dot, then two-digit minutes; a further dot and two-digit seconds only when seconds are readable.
9.00
